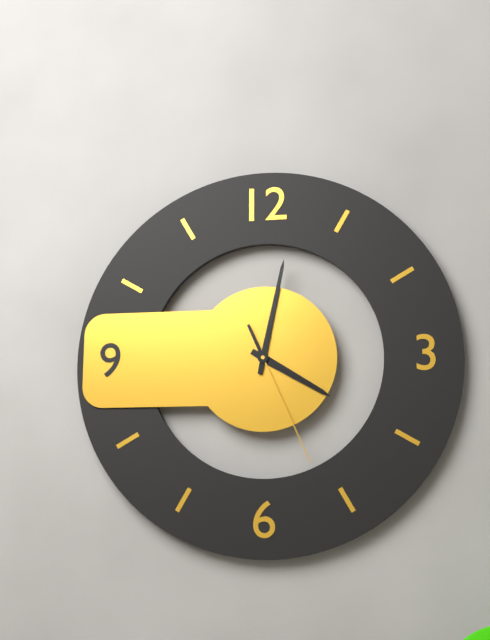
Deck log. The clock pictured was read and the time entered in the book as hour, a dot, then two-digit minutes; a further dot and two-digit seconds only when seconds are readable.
4.02.26
